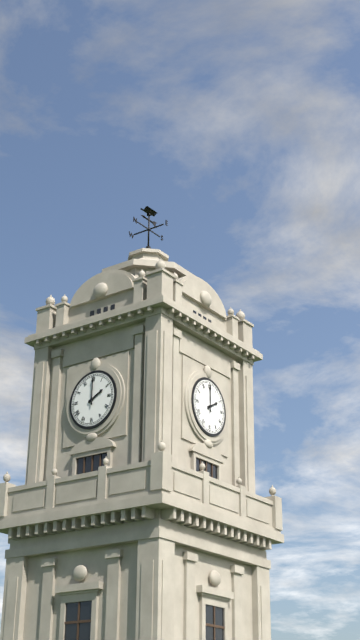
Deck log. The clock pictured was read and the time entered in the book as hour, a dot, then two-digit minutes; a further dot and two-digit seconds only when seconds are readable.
2.00
